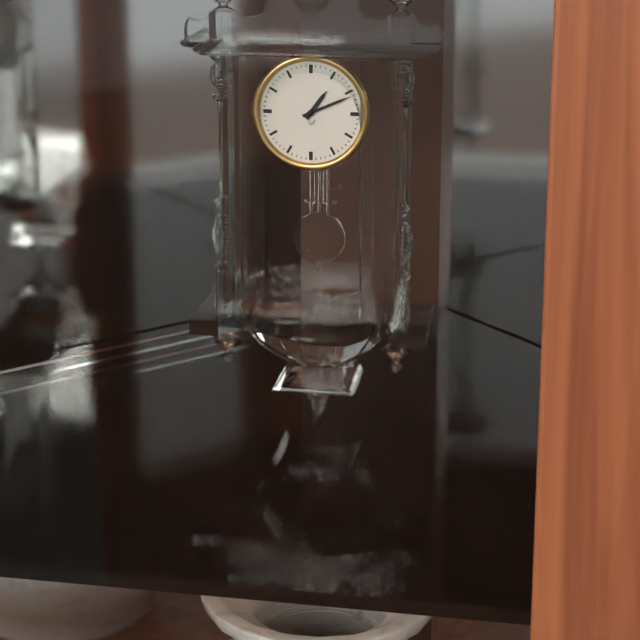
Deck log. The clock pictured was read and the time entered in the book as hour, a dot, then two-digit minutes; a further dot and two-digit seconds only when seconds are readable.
1.11
